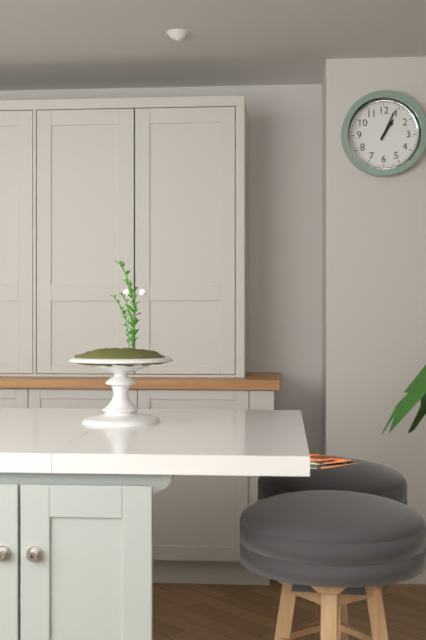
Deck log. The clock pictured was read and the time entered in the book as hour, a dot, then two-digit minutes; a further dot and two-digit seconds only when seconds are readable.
1.04
